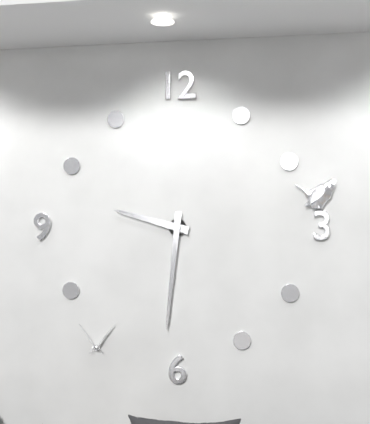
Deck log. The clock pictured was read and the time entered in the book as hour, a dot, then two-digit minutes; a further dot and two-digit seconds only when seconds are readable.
9.31
